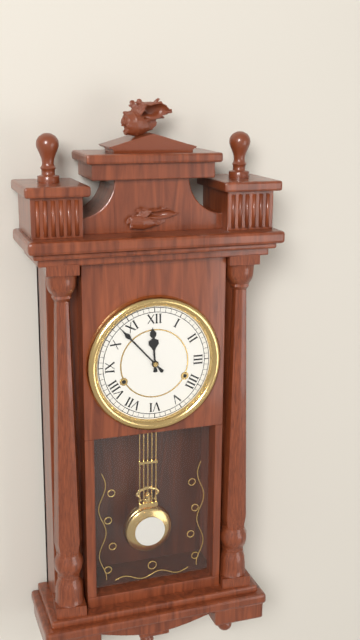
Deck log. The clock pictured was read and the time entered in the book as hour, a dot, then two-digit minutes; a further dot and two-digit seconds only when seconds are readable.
11.53
